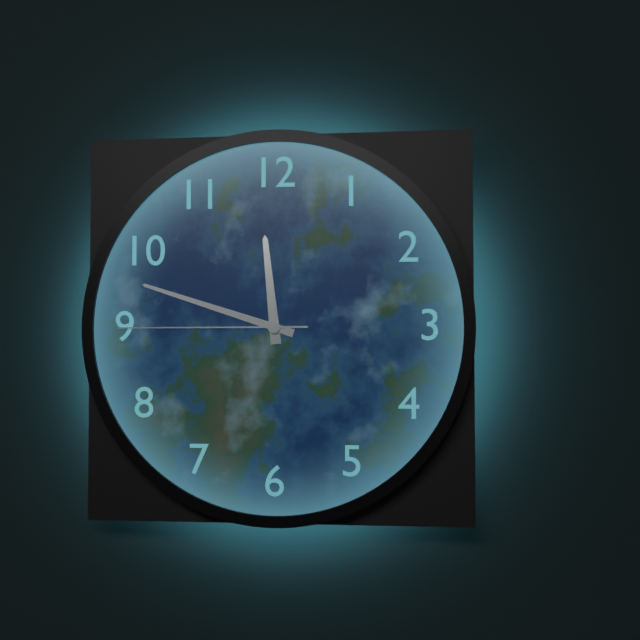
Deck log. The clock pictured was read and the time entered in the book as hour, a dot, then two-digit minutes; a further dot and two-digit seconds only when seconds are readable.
11.48.45
